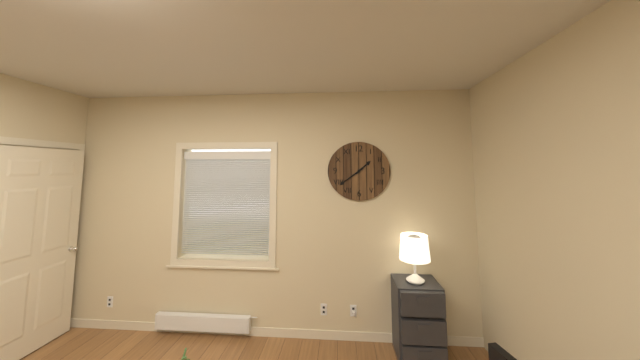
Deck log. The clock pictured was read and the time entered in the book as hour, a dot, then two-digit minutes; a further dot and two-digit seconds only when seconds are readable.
1.39
